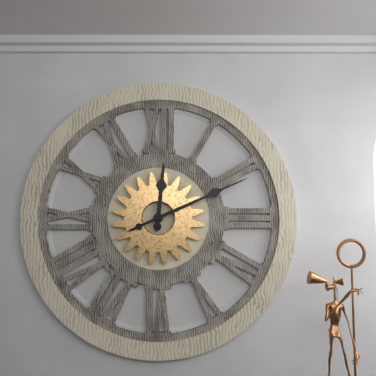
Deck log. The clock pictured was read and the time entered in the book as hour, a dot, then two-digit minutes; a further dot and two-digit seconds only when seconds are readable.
12.11
